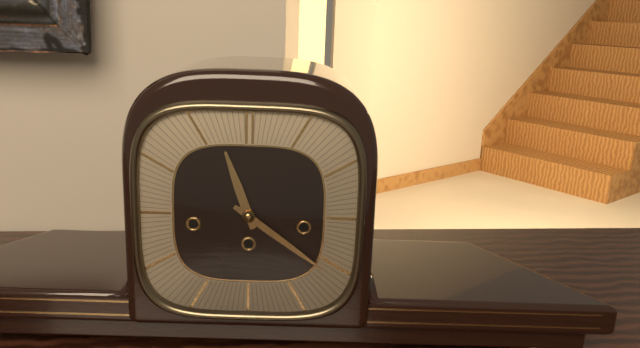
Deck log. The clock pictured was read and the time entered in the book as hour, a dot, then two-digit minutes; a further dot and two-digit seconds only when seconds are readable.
11.21
